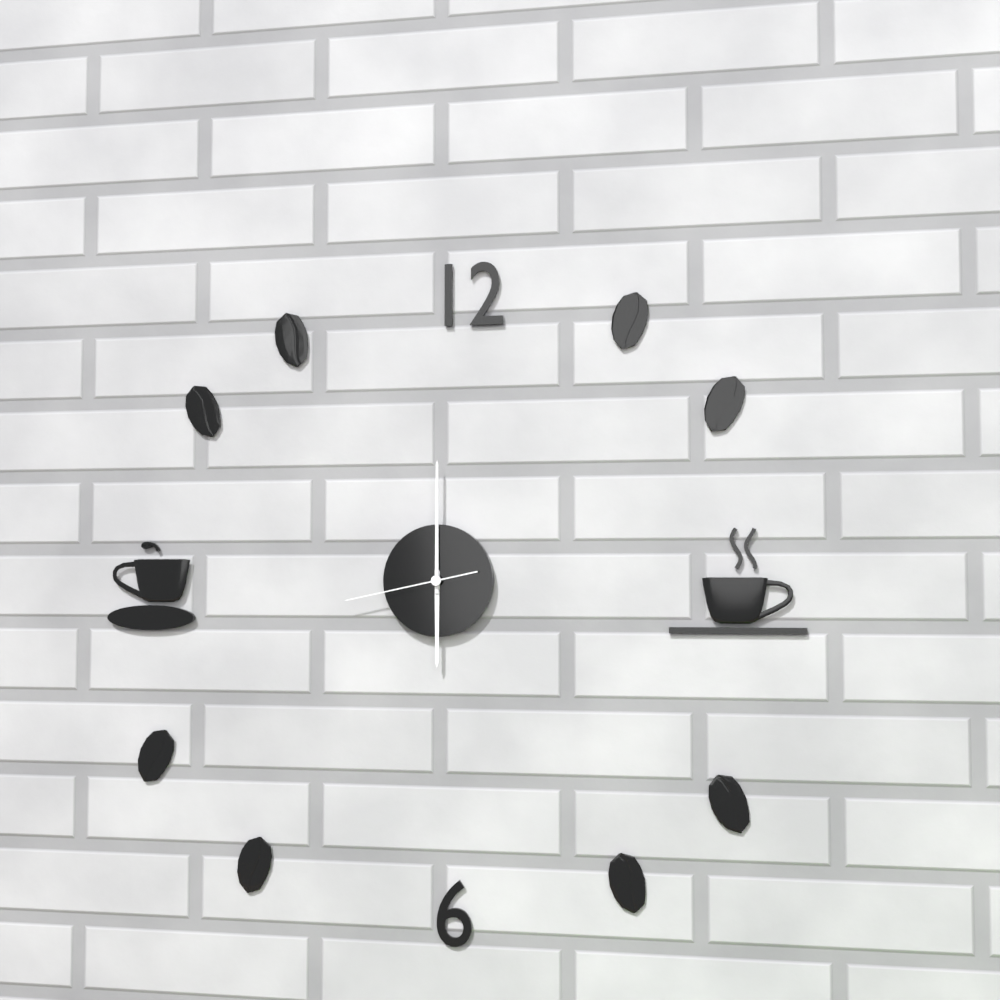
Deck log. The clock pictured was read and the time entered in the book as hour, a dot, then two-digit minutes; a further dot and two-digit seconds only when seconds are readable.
6.00.43
